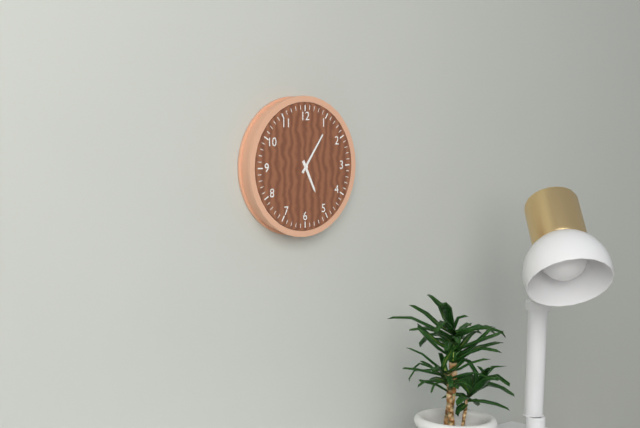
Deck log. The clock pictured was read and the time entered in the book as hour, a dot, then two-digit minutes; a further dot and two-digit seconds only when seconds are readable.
5.06
